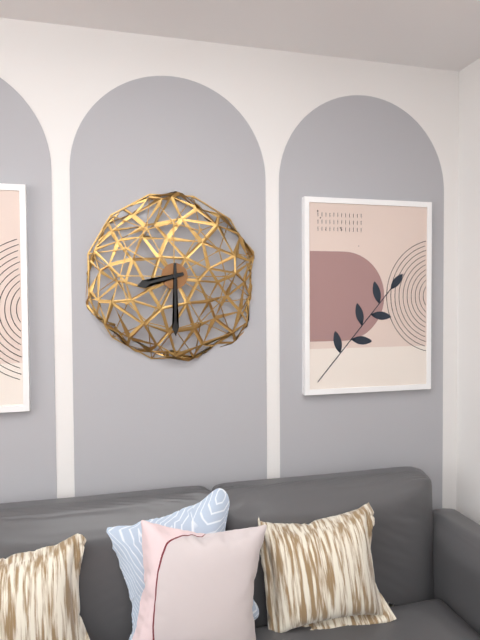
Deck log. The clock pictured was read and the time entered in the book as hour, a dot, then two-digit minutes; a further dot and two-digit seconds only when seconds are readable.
8.30
